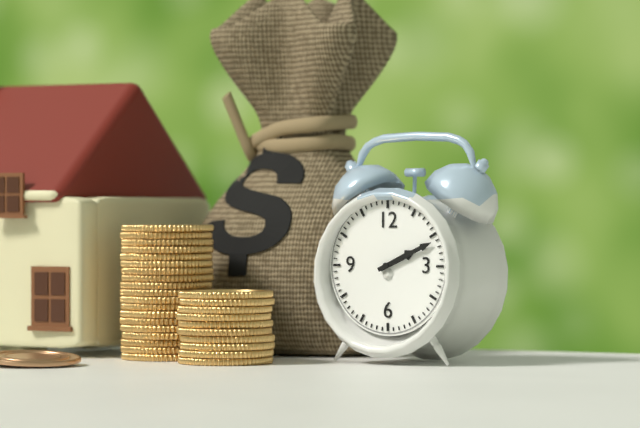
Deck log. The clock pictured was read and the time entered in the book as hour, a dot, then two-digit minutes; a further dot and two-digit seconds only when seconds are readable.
2.11
